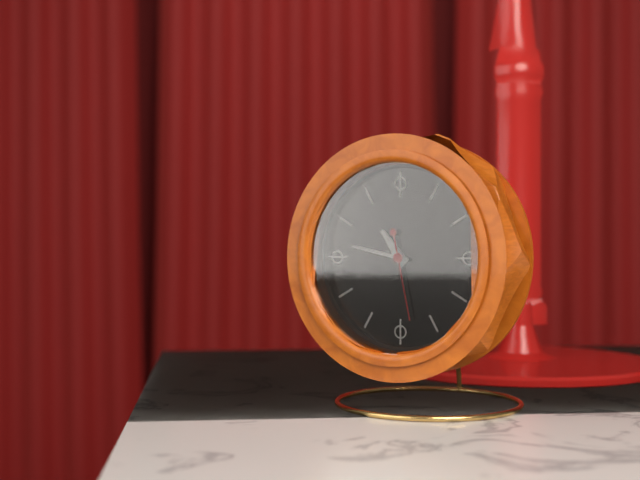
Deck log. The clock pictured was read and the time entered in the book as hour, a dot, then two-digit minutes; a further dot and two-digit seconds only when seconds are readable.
10.47.28
